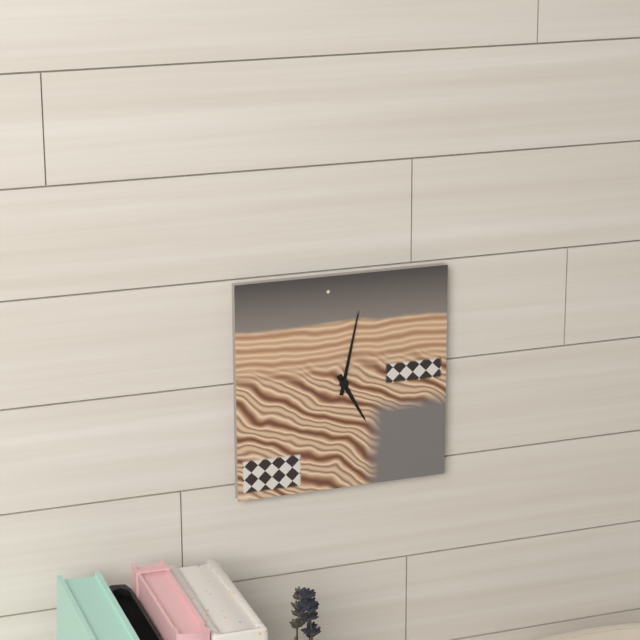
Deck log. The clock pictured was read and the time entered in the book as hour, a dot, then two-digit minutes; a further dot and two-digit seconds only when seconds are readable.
5.02
